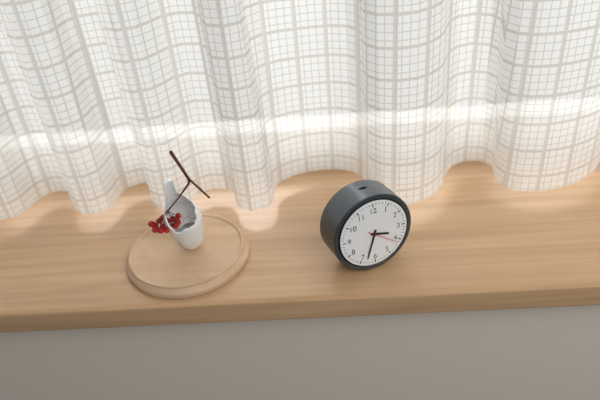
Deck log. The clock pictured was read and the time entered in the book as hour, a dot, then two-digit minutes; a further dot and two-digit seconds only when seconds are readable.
3.33
